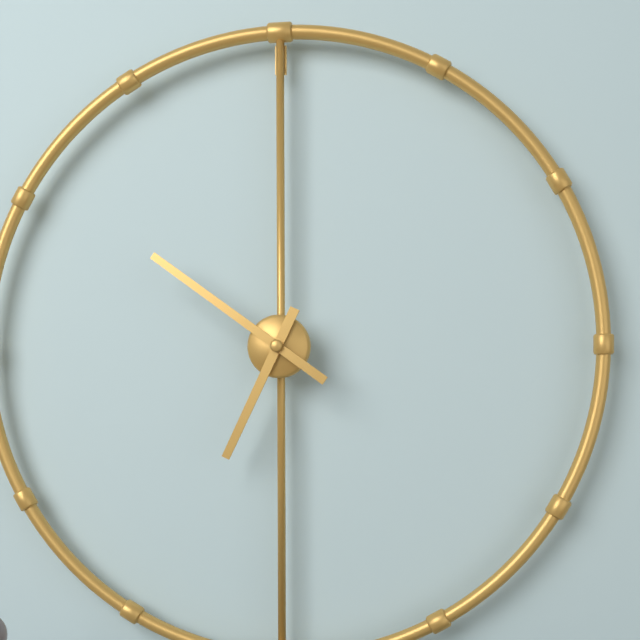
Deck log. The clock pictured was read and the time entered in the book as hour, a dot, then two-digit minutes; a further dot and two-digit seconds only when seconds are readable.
6.51
